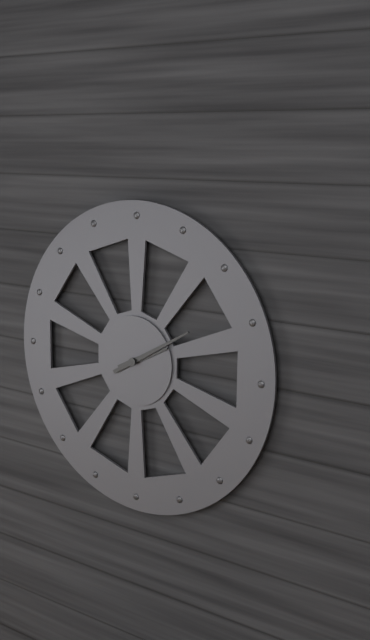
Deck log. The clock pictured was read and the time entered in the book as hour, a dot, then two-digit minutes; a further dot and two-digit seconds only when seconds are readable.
2.10
